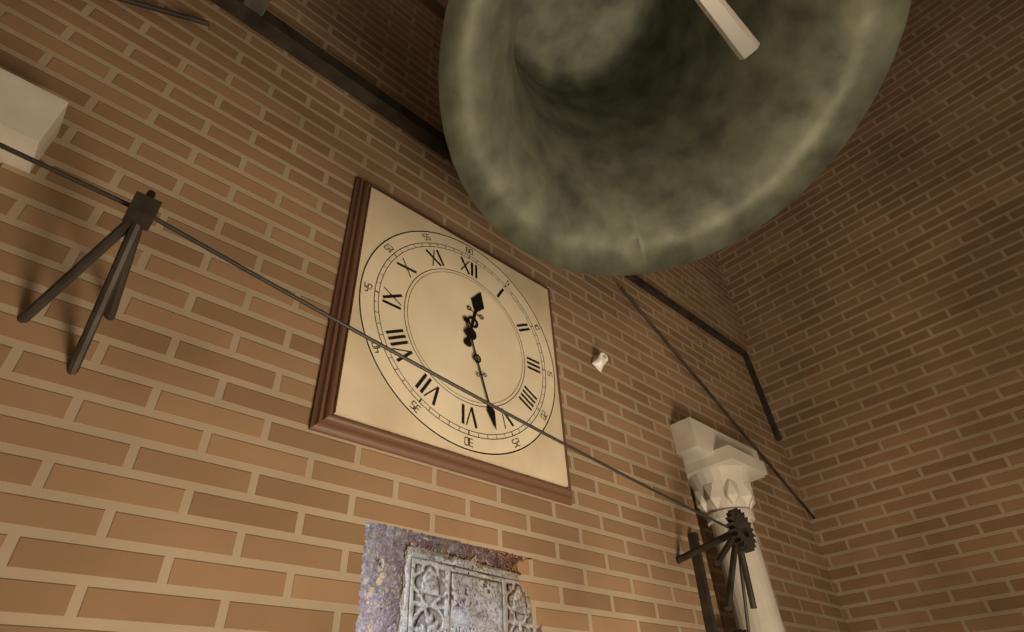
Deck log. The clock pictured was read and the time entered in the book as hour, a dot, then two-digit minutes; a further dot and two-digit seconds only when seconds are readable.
12.27
